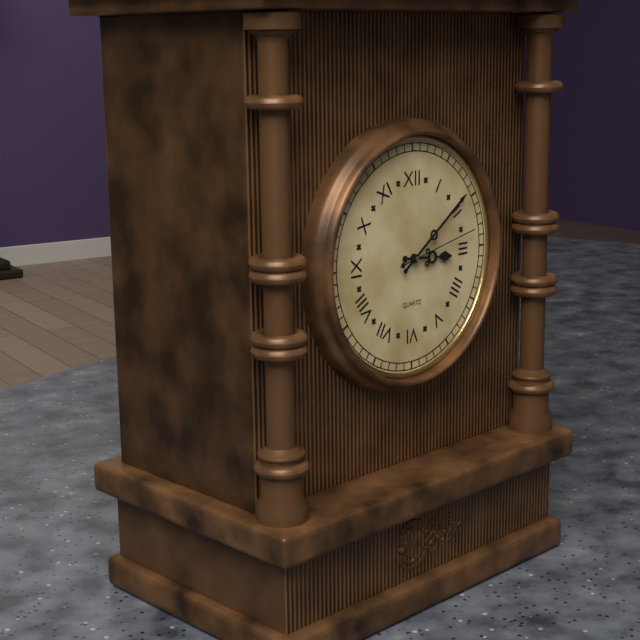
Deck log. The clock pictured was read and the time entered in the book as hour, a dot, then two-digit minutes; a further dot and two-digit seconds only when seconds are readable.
3.09.13
